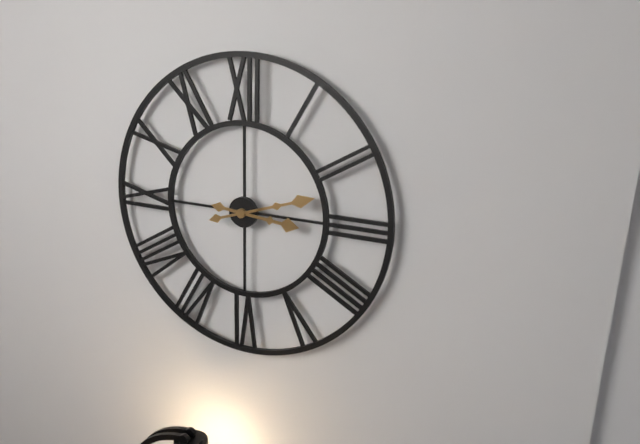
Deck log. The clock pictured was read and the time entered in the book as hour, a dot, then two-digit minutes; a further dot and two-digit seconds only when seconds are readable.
3.12
